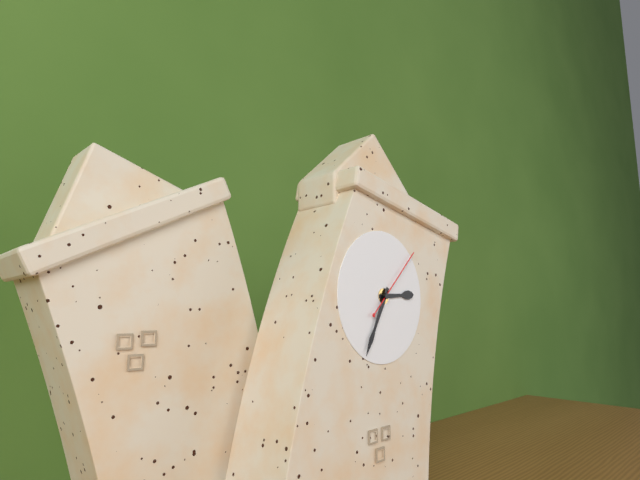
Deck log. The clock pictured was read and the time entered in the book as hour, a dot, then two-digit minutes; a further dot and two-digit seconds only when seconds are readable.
2.33.06
